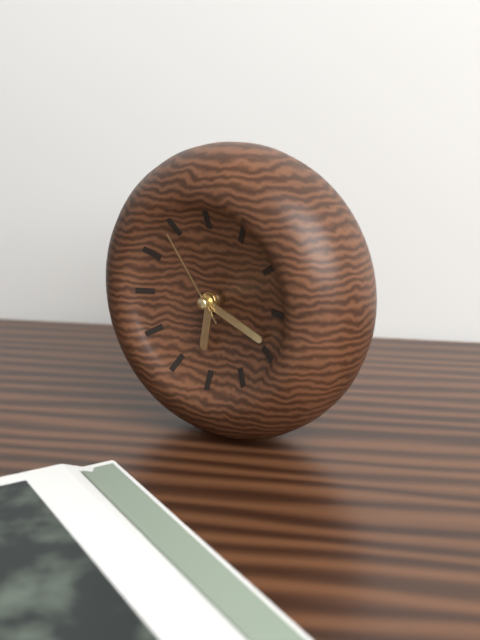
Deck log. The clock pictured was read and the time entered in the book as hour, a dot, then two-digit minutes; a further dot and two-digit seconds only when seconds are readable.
6.19.54
